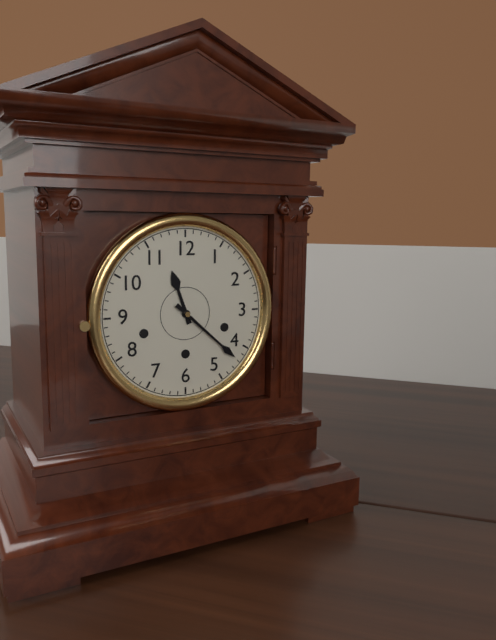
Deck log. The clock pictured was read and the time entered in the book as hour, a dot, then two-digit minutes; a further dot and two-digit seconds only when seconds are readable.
11.22
